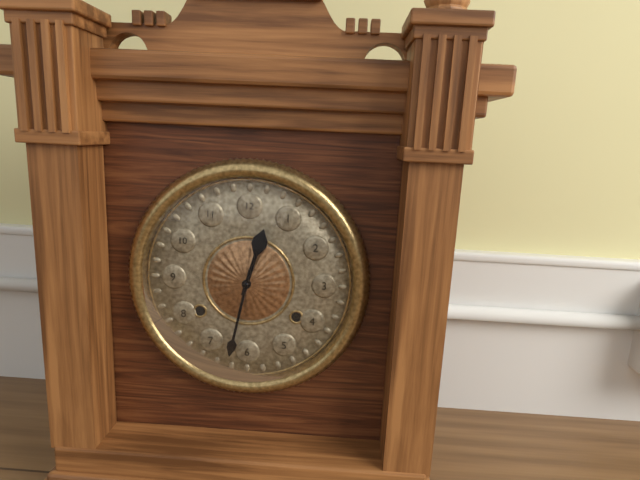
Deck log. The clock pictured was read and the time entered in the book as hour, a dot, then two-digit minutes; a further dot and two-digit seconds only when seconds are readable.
12.32
